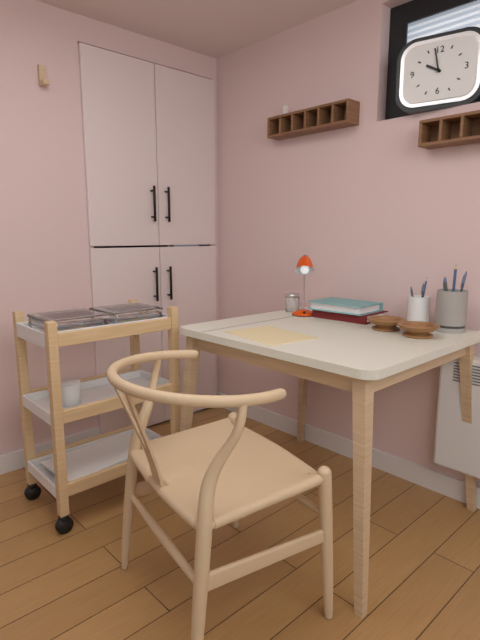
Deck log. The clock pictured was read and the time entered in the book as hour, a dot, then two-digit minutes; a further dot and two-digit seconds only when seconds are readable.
9.58
